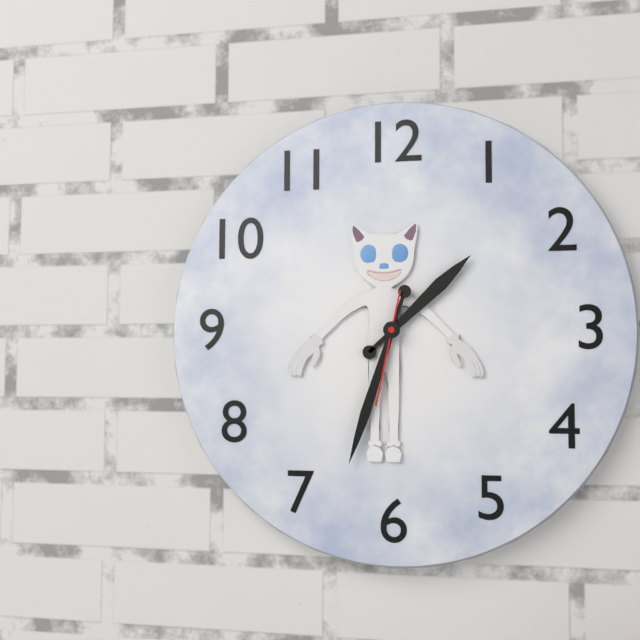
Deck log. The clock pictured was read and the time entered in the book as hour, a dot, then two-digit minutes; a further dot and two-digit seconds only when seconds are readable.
1.33.32
